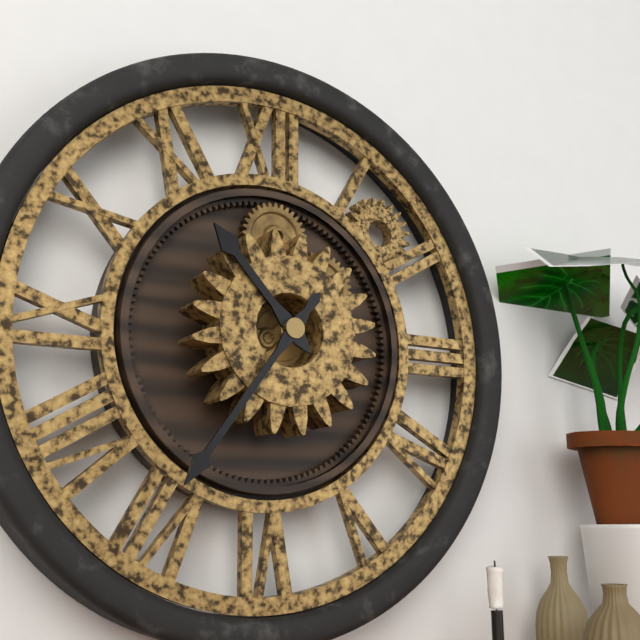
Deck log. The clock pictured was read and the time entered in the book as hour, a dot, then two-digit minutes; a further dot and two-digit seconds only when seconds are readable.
10.36
